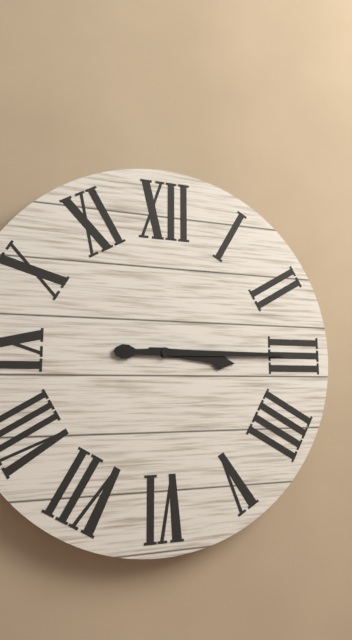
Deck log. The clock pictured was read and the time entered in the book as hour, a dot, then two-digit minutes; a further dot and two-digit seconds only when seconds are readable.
3.15
